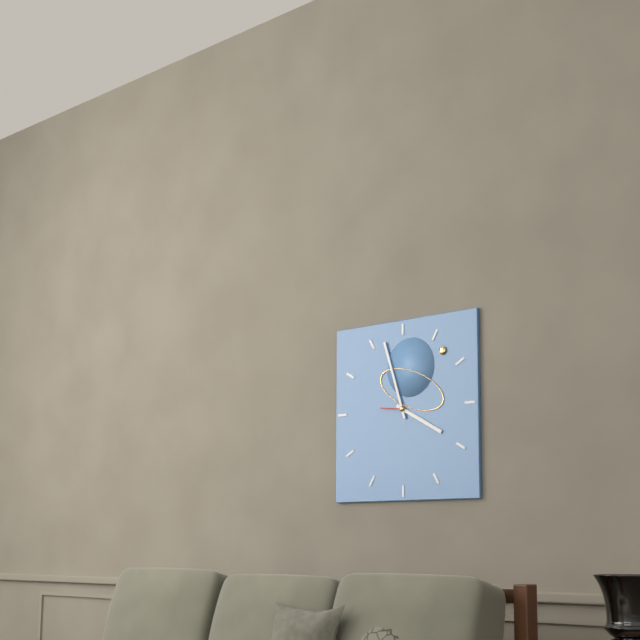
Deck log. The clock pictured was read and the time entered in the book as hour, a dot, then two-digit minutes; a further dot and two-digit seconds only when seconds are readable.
3.57
